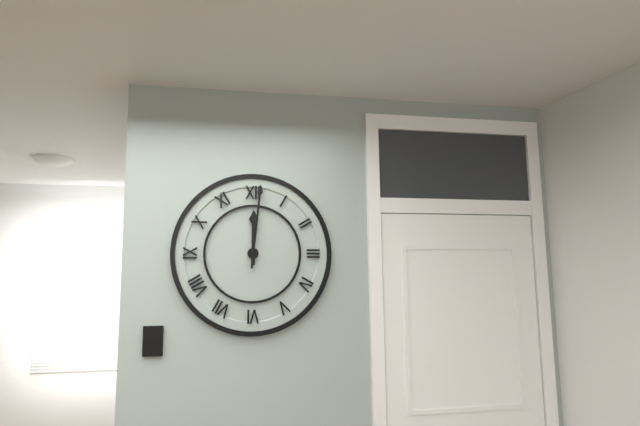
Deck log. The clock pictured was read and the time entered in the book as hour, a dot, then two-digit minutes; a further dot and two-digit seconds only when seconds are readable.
12.01
